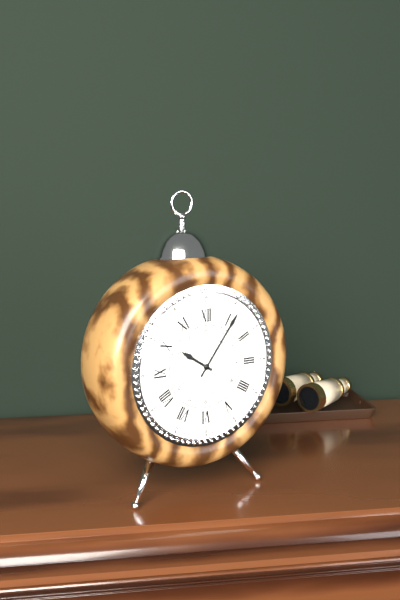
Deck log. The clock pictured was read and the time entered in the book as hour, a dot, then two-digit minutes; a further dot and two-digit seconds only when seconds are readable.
10.06
